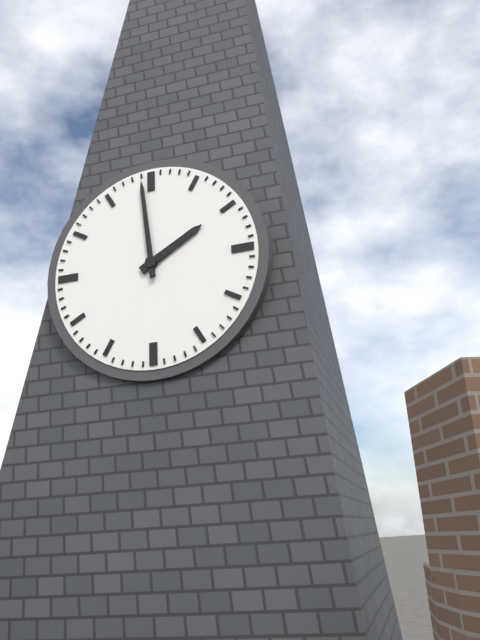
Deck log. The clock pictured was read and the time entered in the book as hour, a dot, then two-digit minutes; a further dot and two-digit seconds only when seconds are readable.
1.59
